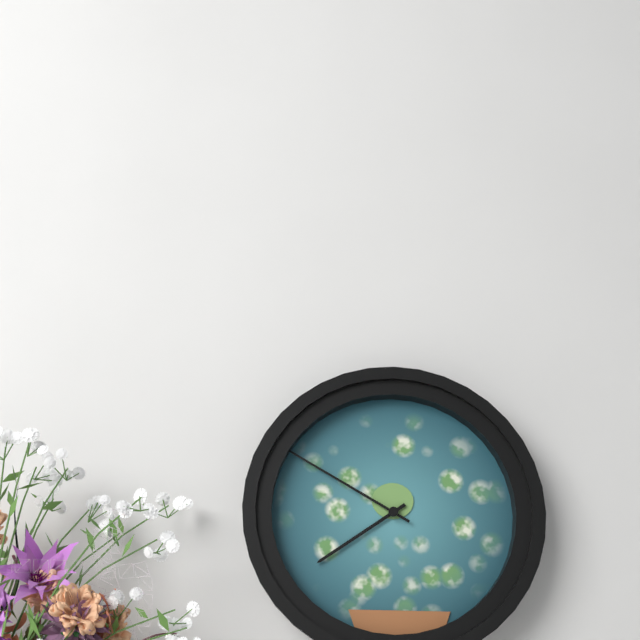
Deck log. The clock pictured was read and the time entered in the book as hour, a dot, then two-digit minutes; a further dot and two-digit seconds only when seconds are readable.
7.50
